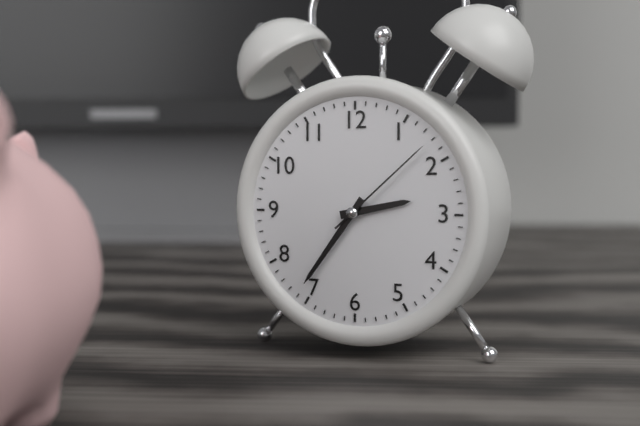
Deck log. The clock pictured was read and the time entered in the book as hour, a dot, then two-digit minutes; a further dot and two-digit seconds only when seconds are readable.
2.36.08
